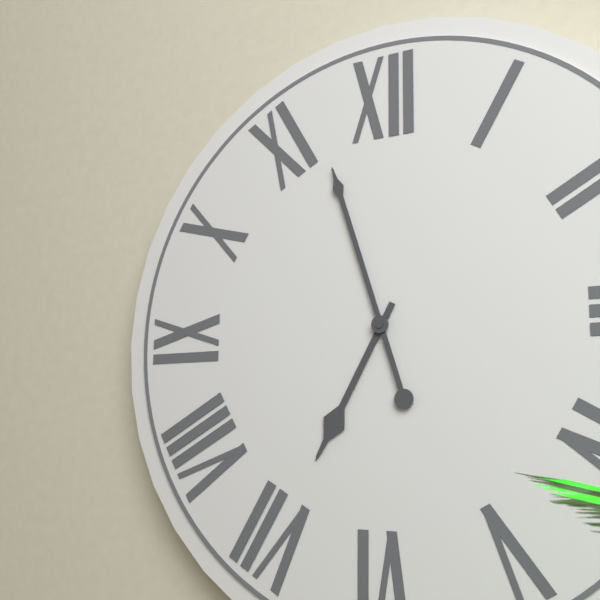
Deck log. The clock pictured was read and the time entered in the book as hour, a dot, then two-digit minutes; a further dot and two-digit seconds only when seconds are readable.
6.57
